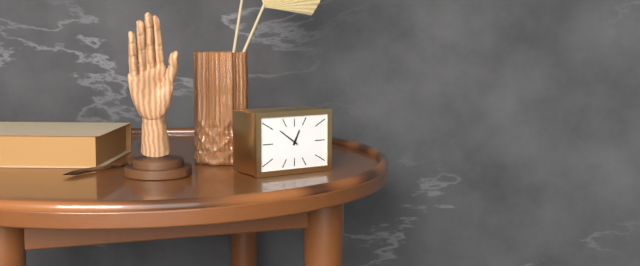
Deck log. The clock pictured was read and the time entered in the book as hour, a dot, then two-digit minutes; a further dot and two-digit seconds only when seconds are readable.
12.51
